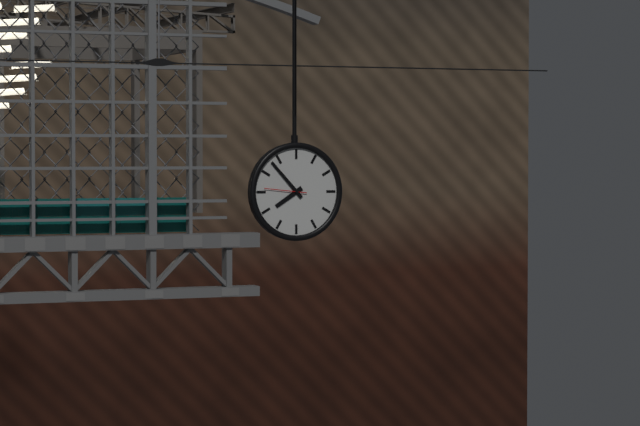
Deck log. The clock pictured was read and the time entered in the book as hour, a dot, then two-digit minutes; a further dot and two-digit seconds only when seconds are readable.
7.53
